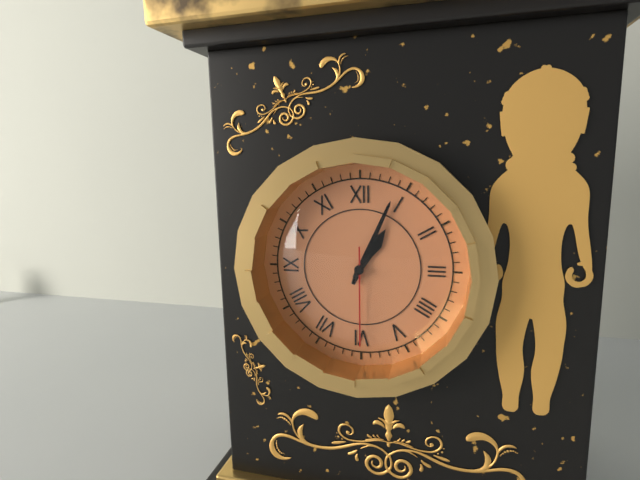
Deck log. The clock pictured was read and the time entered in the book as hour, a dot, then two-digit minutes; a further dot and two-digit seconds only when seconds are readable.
1.04.30
